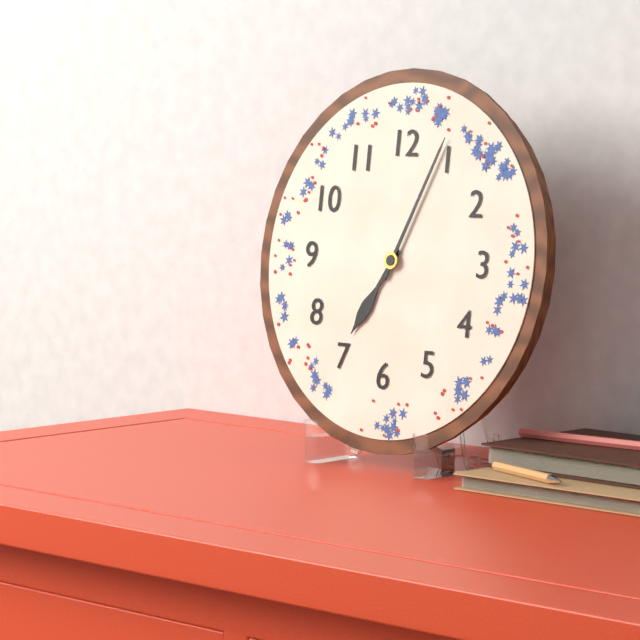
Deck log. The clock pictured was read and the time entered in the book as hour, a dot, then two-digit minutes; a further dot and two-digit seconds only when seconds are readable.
7.04
